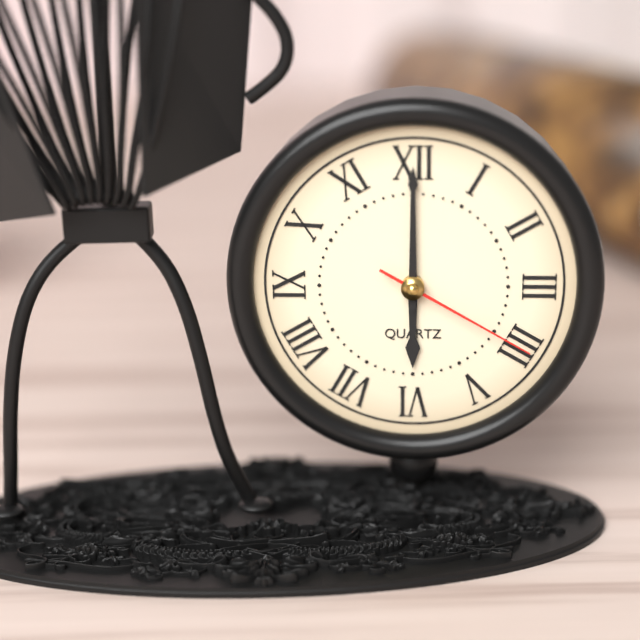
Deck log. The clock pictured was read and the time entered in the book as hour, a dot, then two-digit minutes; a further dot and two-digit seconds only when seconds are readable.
6.00.20
